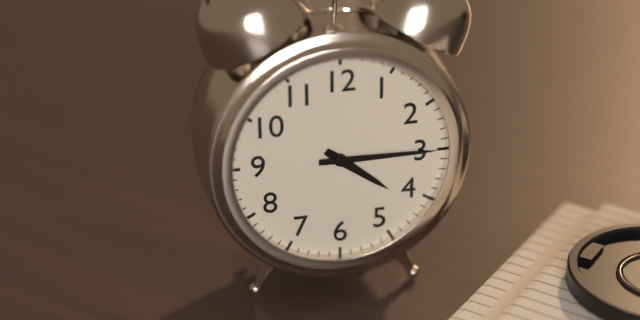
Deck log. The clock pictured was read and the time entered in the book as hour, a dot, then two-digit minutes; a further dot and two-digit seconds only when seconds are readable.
4.15
